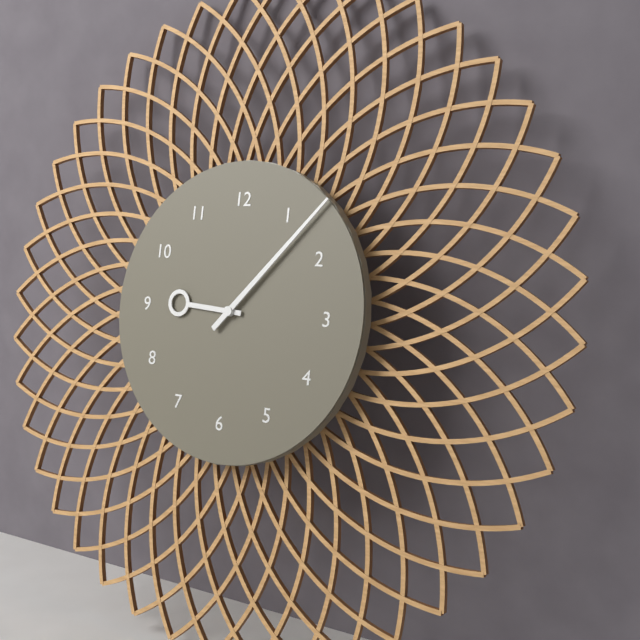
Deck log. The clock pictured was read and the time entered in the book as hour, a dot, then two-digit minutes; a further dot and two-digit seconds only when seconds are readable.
9.07
